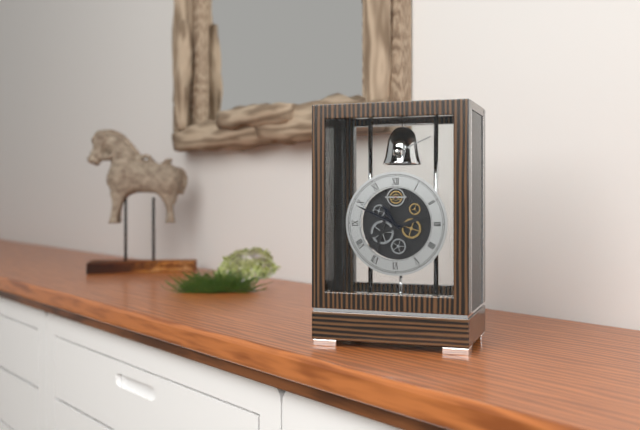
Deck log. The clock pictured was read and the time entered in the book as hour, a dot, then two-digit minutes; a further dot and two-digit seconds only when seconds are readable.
10.49
